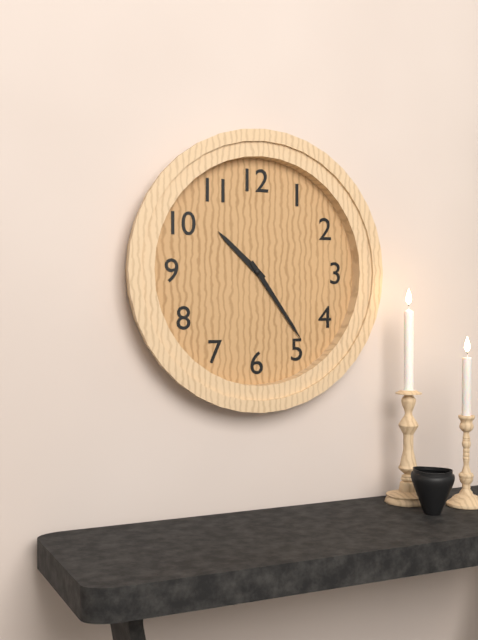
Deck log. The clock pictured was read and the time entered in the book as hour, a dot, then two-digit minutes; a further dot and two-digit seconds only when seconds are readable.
10.24
